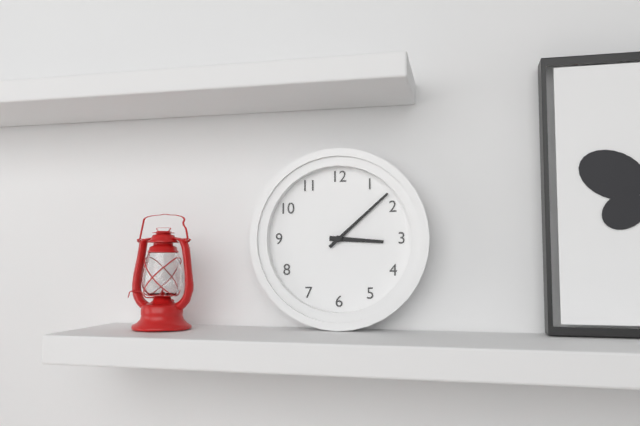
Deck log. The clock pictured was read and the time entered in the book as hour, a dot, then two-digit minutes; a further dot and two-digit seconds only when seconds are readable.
3.08
